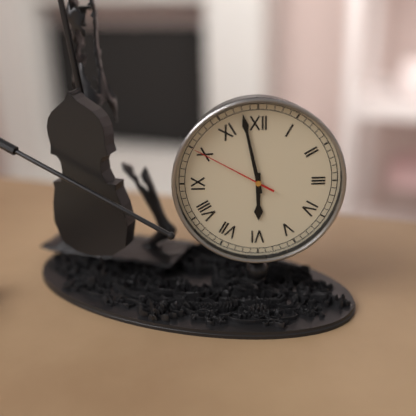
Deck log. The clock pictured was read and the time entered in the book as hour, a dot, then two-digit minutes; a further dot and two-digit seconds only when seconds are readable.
5.58.50
